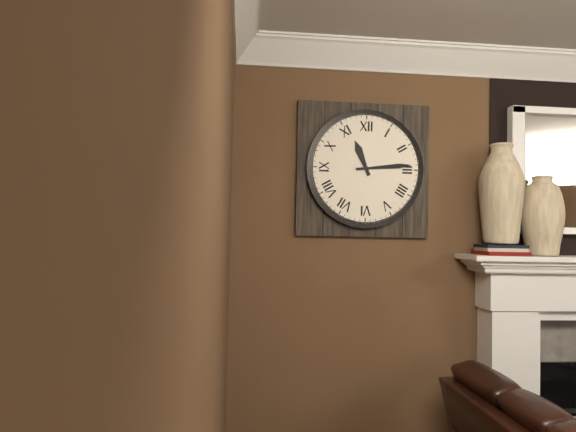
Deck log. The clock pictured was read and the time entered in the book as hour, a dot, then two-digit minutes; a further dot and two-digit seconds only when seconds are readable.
11.14
